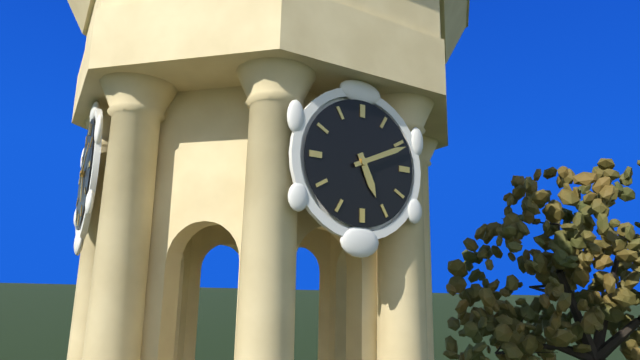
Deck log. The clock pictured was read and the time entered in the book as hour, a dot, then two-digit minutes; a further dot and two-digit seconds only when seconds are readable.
5.11
